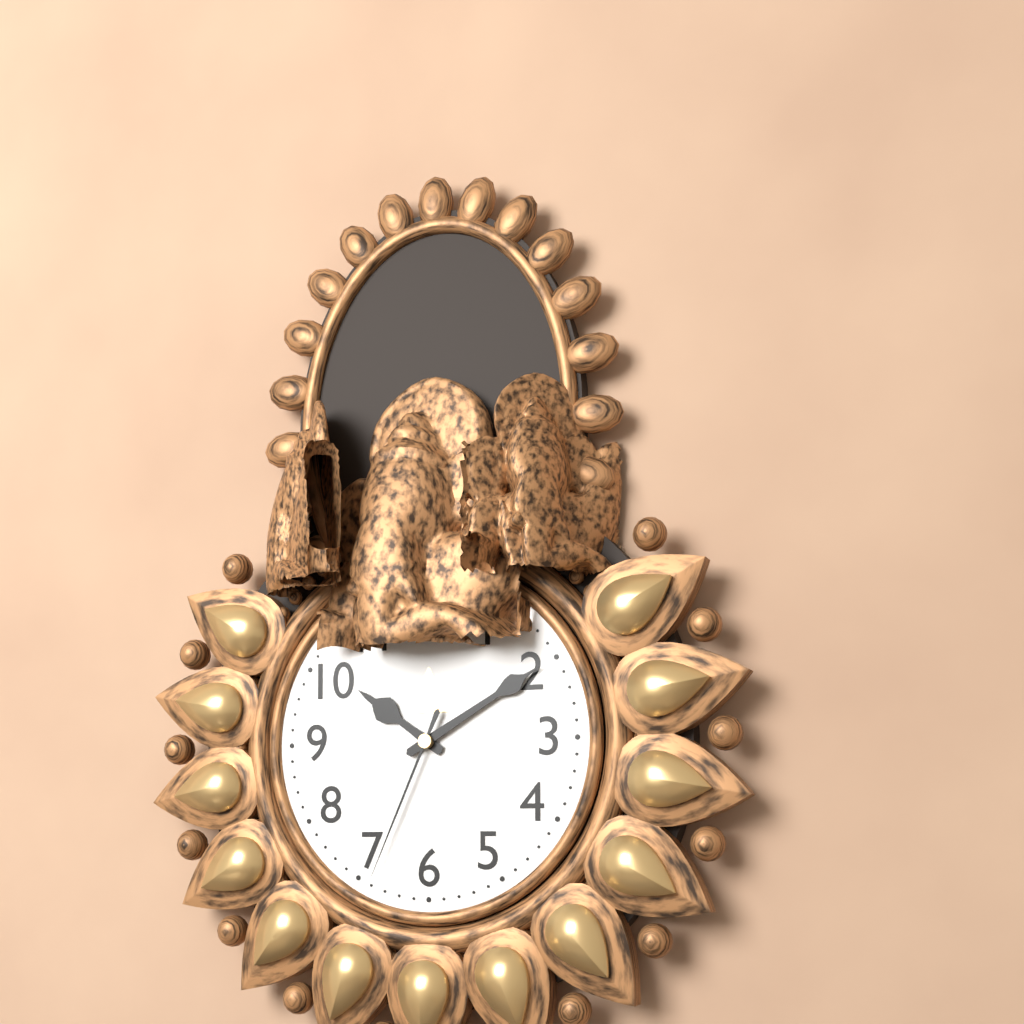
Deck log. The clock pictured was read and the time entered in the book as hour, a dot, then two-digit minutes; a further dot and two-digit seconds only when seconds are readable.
10.10.34
